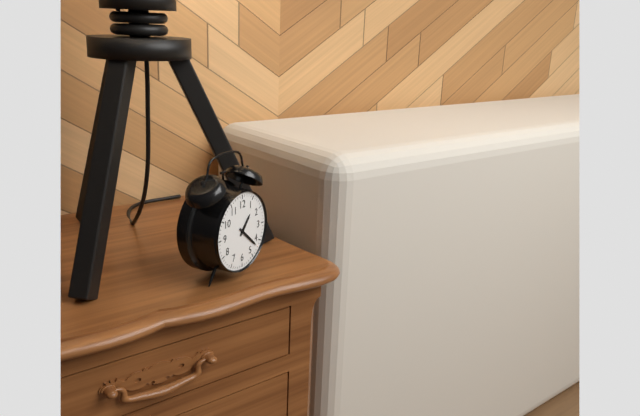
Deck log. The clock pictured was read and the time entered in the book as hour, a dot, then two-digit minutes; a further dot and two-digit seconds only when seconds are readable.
1.22
